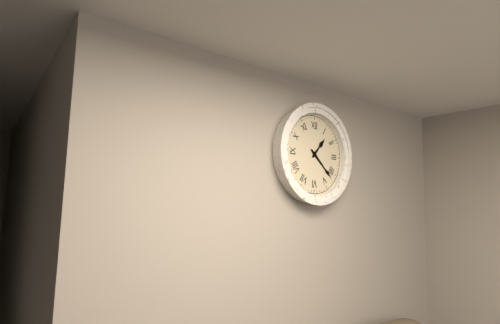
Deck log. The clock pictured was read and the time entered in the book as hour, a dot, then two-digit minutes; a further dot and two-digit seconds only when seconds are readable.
1.22
